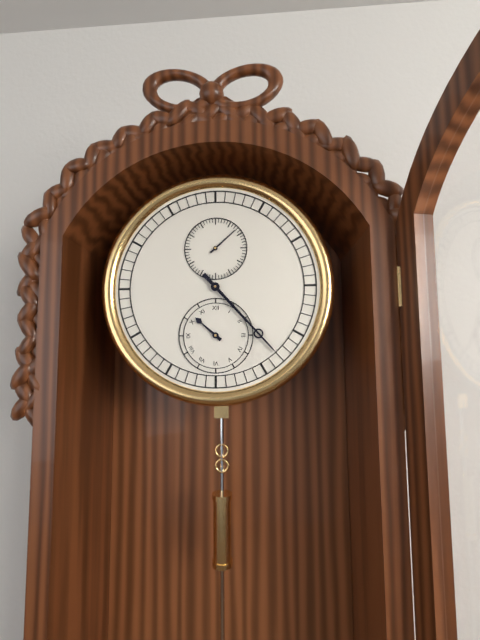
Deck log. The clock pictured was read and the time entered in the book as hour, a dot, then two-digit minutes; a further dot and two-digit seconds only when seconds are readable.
10.23
